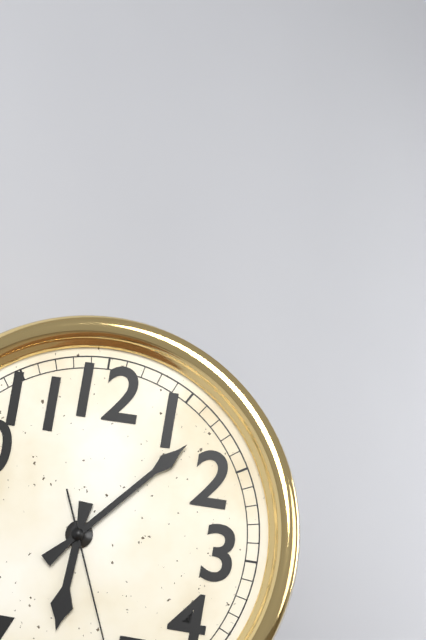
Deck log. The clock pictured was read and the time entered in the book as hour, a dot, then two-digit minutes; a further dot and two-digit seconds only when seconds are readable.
6.07
